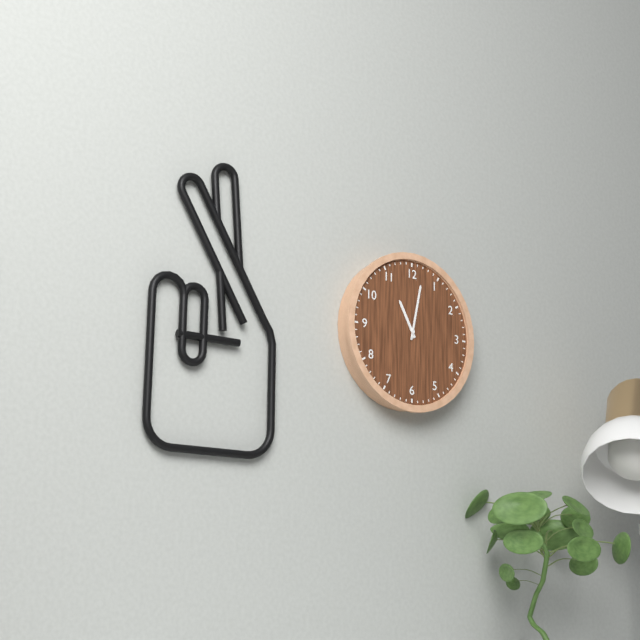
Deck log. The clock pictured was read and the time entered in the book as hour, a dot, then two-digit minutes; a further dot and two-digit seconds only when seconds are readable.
11.02
